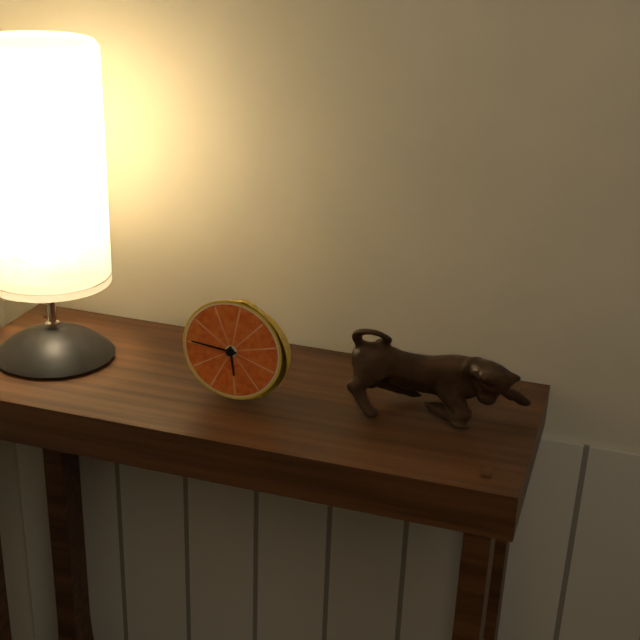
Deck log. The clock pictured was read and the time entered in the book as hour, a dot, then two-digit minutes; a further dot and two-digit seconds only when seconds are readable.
5.46
